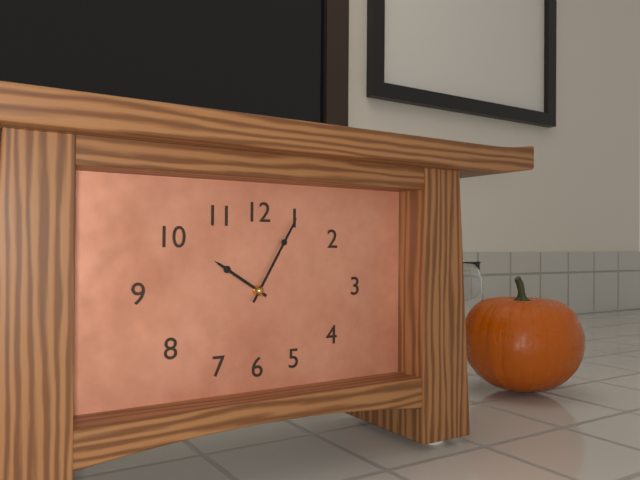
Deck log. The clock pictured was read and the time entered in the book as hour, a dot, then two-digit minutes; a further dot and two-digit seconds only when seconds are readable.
10.05
